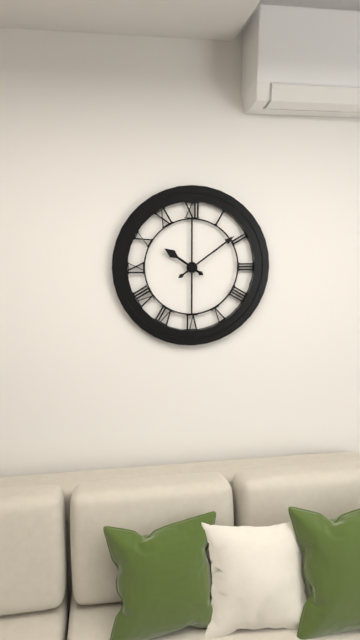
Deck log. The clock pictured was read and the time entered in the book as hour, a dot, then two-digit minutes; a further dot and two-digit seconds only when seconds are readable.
10.09
